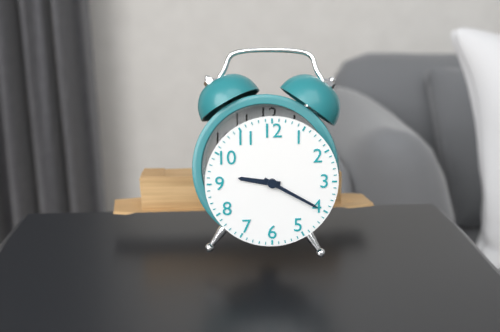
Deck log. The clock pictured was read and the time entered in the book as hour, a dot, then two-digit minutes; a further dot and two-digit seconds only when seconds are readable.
9.20
